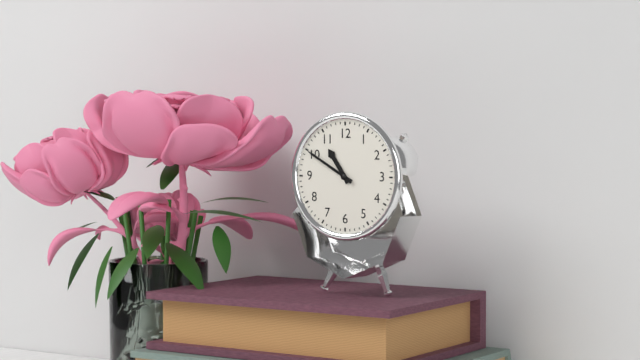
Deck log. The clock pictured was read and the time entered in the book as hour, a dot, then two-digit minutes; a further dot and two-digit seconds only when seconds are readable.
10.50
